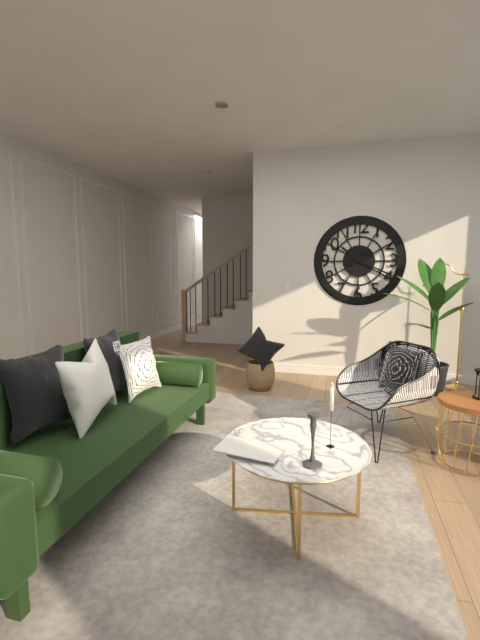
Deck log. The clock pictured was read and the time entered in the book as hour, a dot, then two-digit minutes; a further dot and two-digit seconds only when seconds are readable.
10.19
